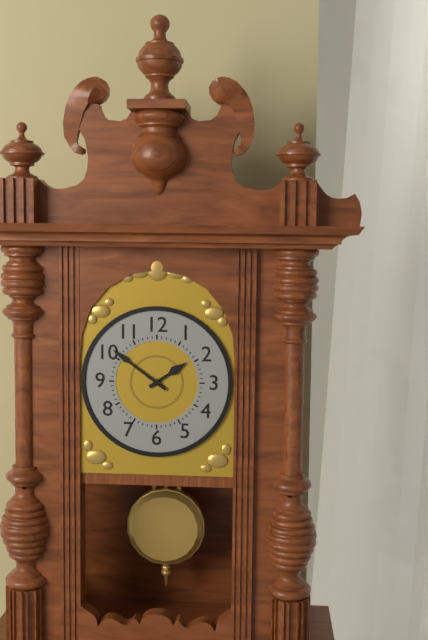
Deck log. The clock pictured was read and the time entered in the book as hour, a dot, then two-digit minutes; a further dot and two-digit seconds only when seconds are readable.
1.51
